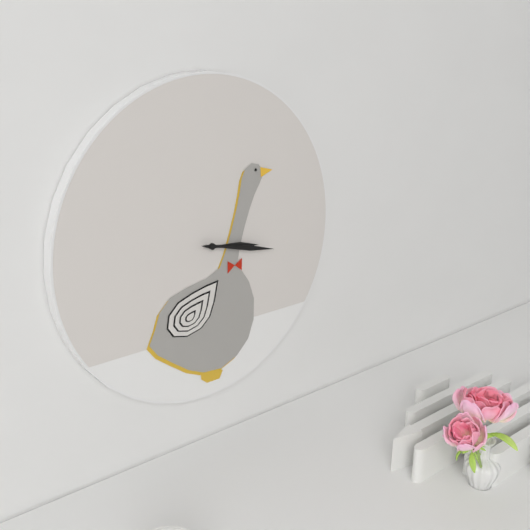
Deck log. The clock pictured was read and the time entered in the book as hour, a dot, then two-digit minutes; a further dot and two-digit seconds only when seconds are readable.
3.17
